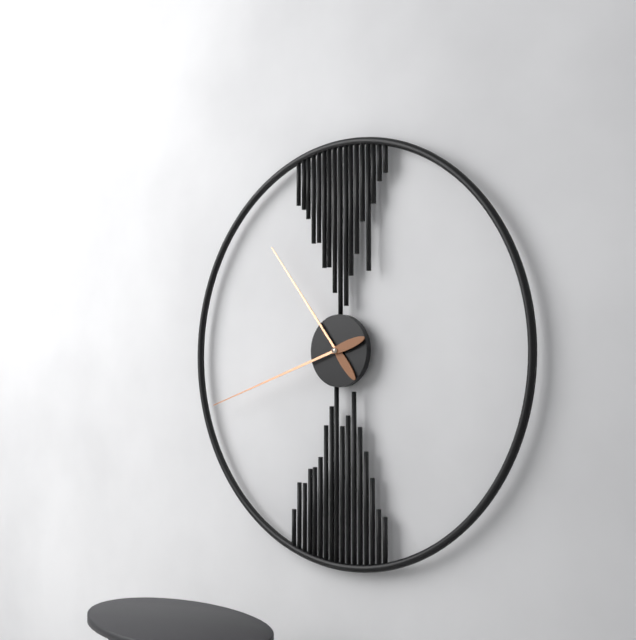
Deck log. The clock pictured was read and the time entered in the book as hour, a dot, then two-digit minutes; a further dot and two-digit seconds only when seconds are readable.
10.42
